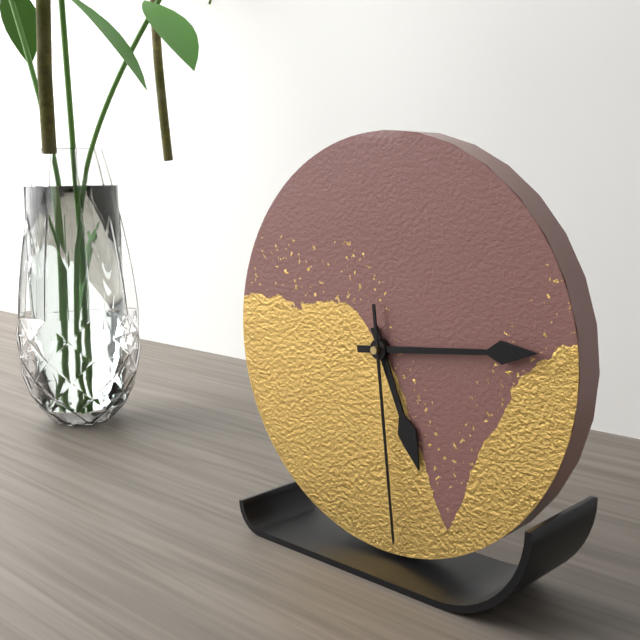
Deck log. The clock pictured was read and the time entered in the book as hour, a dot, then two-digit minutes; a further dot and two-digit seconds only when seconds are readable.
5.14.29
